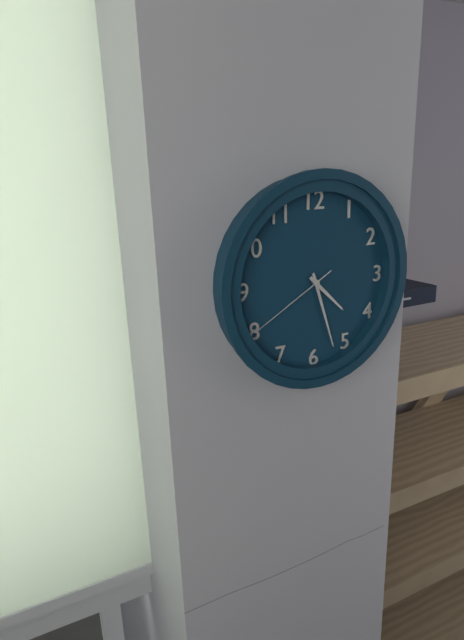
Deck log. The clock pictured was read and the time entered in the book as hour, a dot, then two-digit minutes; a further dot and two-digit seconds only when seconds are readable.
4.27.40
